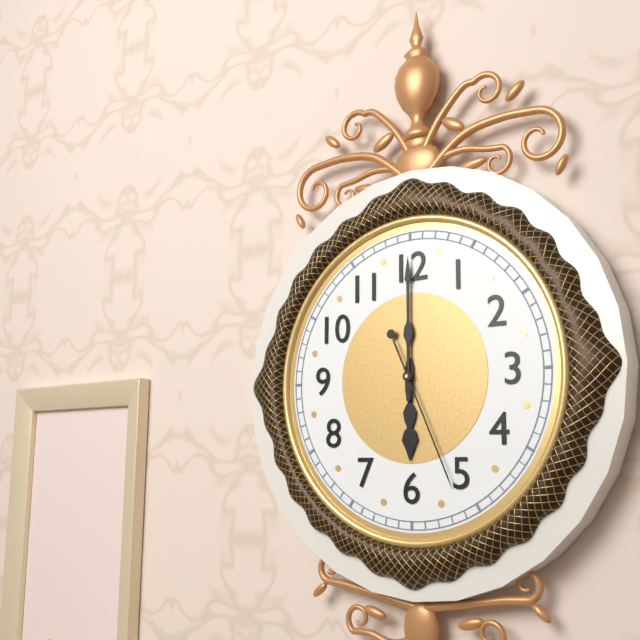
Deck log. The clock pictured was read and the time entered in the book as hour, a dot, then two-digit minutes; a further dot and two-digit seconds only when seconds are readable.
6.00.26
